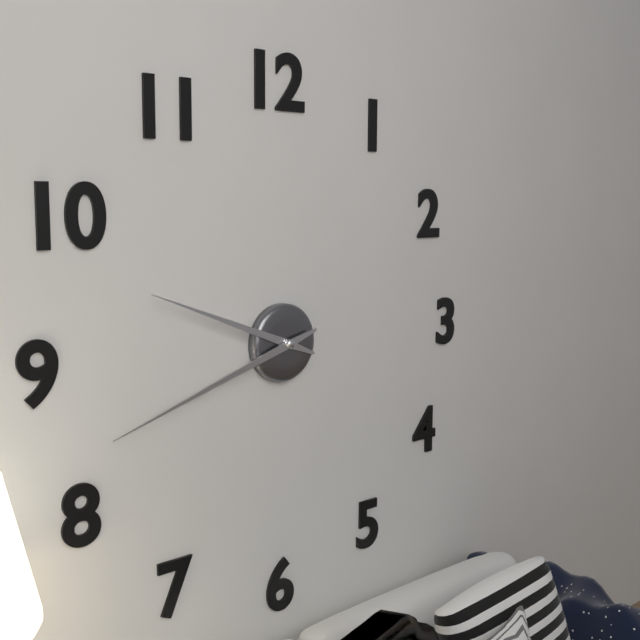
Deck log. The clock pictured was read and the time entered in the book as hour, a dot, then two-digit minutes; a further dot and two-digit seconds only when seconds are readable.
9.42
